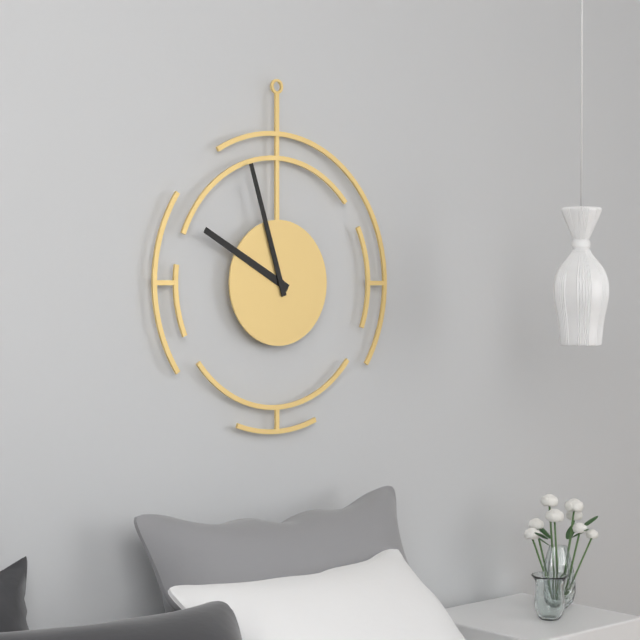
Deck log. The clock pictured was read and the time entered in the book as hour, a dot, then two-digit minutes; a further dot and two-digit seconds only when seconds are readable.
9.57
